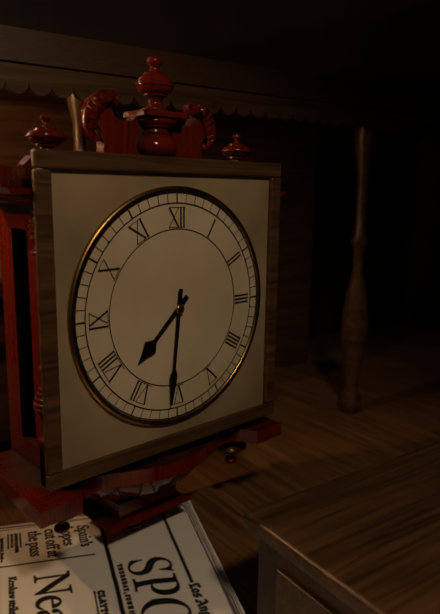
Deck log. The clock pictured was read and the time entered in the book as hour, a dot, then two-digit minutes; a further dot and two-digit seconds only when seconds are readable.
7.31
